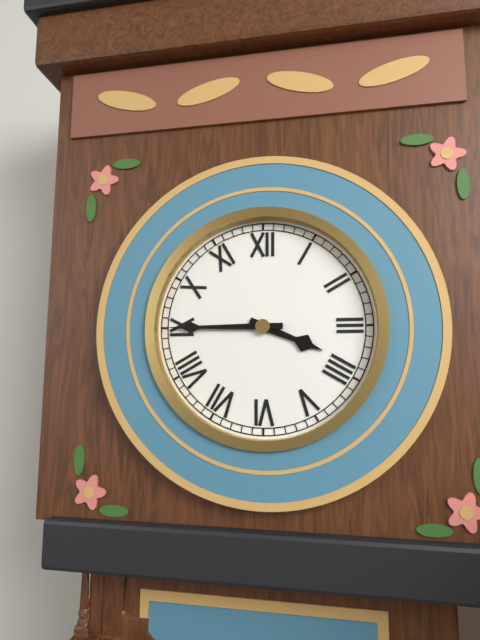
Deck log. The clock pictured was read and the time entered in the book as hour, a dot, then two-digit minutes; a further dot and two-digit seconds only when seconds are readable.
3.45
